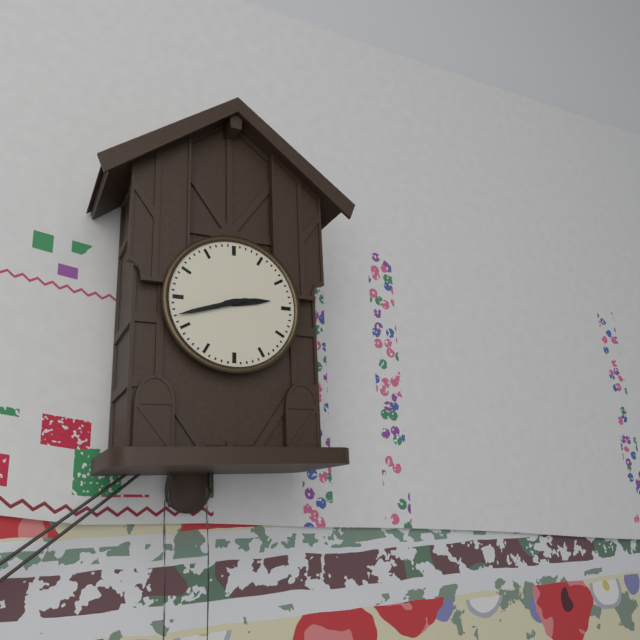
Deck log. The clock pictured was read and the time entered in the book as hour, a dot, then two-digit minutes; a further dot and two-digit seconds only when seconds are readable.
2.42
